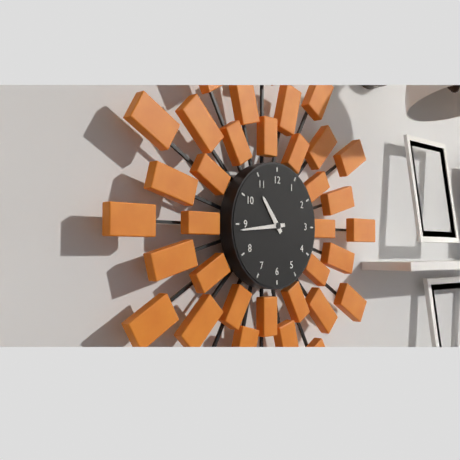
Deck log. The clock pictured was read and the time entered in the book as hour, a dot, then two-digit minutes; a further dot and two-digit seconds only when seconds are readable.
10.44
